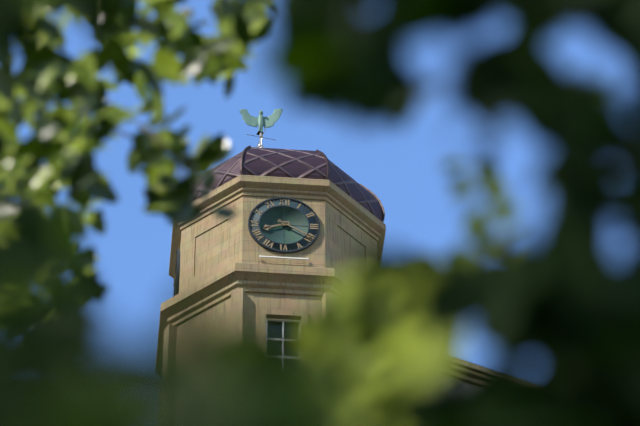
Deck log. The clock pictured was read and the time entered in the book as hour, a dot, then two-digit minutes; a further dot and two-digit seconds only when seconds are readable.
8.20
